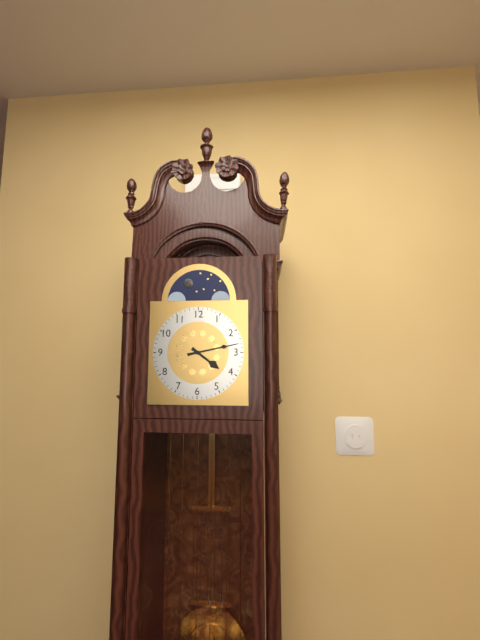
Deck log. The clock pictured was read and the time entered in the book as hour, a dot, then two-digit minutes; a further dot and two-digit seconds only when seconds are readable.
4.13
